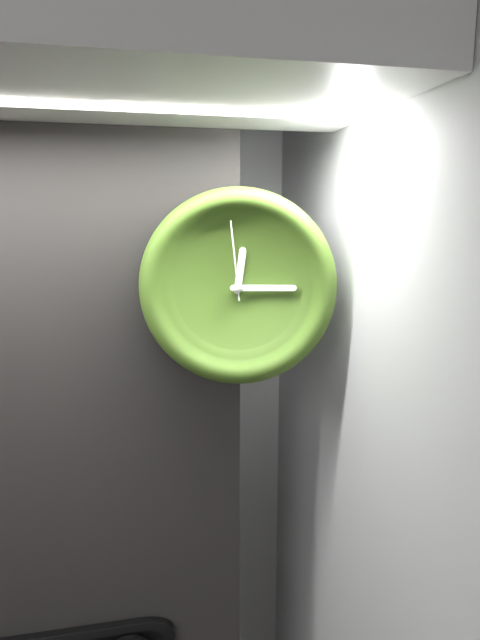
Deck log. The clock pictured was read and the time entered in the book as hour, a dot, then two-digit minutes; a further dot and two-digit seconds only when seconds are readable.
12.15.59
